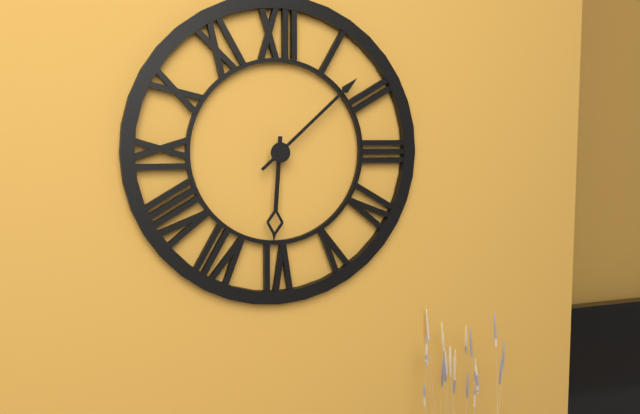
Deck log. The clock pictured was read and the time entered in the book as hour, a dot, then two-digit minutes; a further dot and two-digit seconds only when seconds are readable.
6.08
